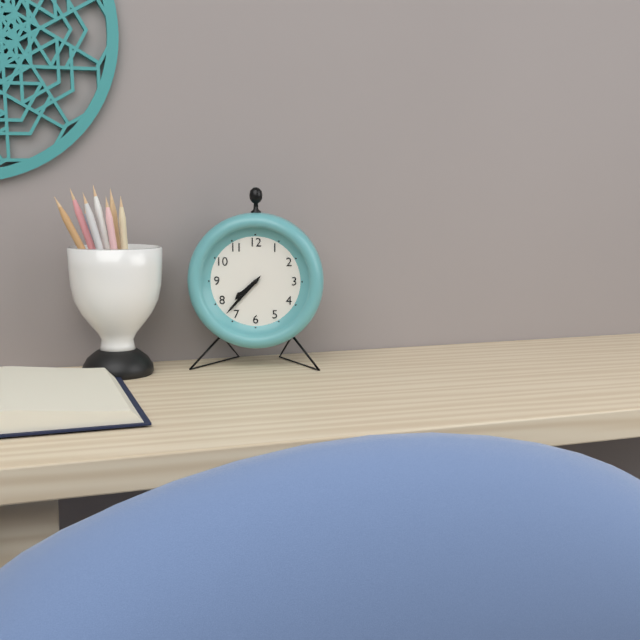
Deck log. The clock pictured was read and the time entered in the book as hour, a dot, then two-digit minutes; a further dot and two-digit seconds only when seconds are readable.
7.37
